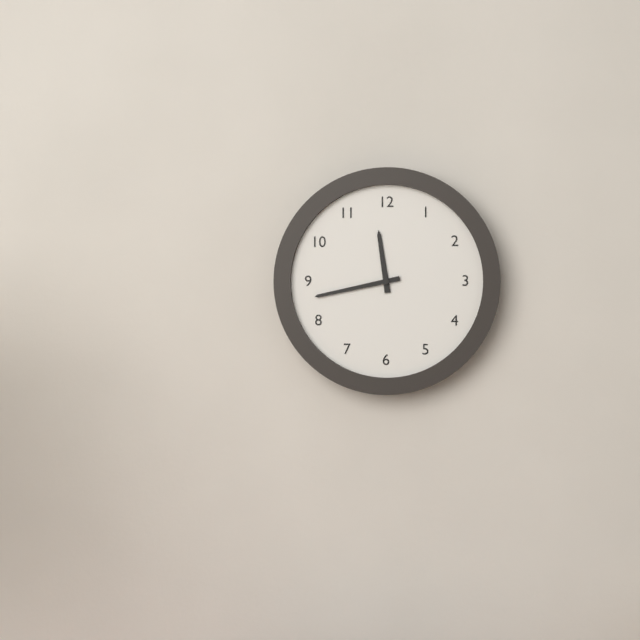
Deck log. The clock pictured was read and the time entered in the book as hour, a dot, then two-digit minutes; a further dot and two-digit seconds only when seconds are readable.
11.43
